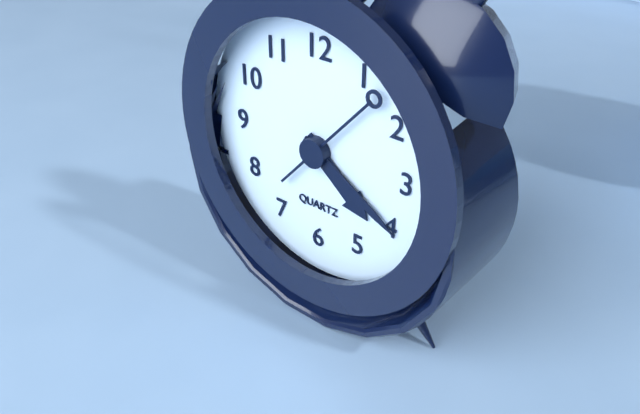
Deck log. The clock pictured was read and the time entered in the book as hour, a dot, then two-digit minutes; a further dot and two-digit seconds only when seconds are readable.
4.20.07
